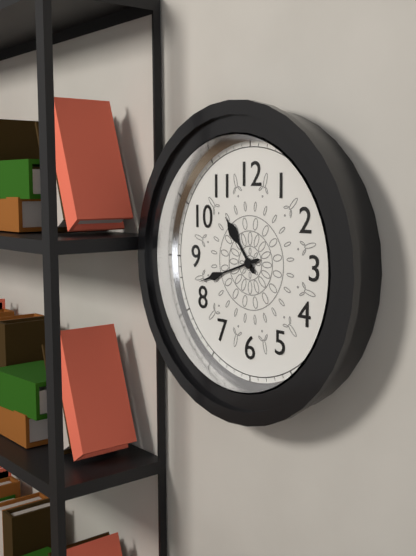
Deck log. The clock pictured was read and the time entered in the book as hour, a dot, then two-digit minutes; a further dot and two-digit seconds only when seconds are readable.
10.42
